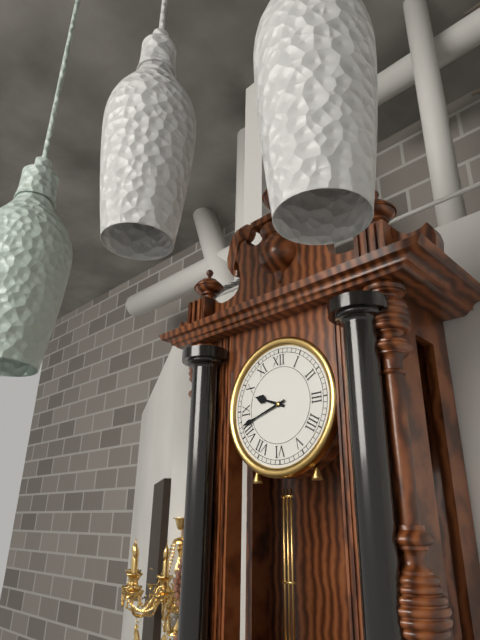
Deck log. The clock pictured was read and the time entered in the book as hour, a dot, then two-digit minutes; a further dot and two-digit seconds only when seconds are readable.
9.42
